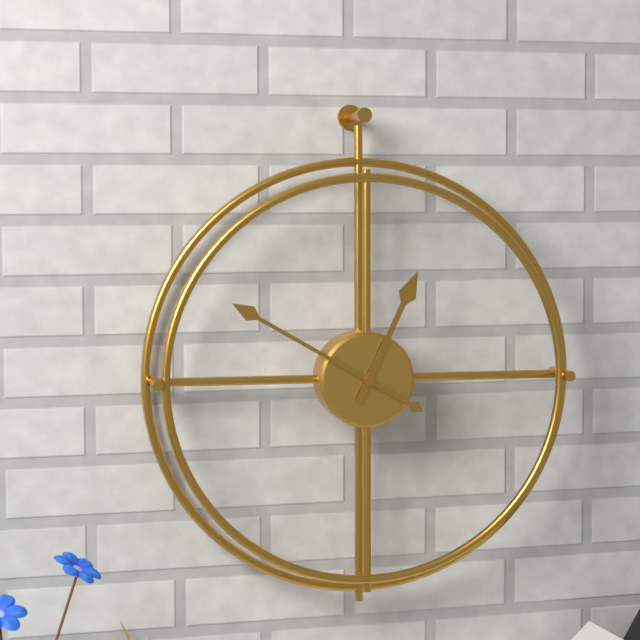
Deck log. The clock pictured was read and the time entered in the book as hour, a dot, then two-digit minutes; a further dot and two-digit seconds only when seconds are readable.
12.50
